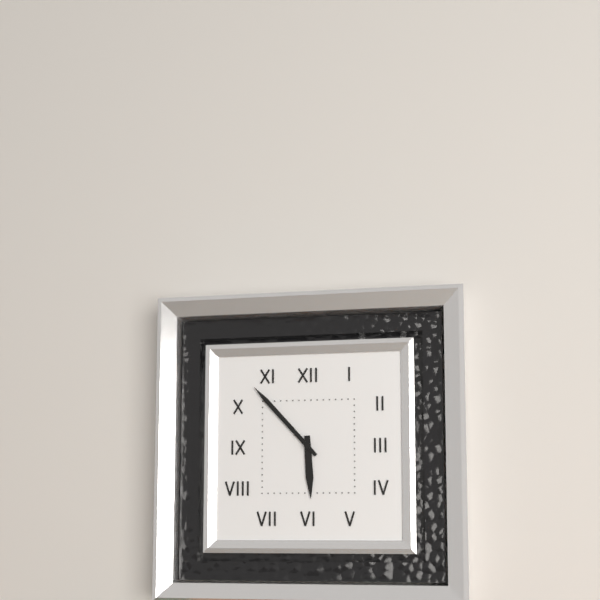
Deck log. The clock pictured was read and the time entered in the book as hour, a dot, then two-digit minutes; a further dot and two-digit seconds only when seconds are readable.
5.53
